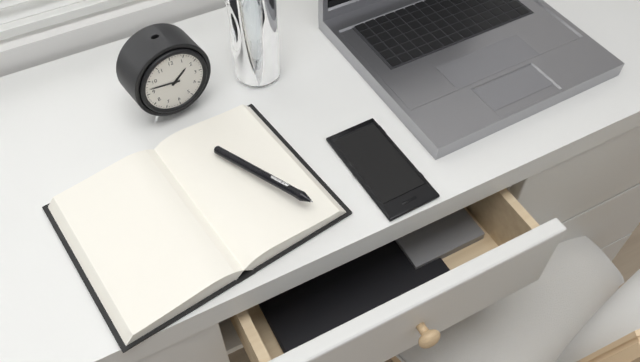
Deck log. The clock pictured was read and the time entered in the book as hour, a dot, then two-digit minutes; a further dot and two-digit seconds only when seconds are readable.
1.47
